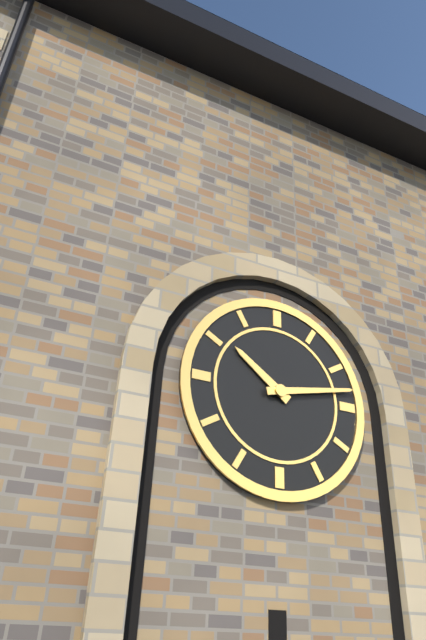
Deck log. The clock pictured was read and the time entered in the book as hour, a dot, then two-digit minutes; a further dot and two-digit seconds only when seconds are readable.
10.13
